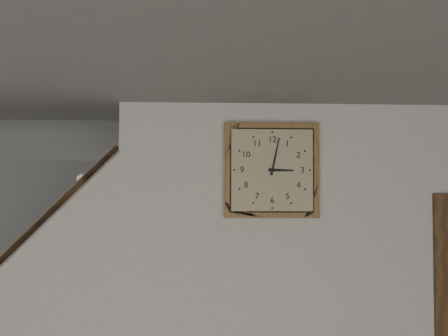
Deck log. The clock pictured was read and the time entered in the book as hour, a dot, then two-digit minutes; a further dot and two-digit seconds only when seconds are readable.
3.02
